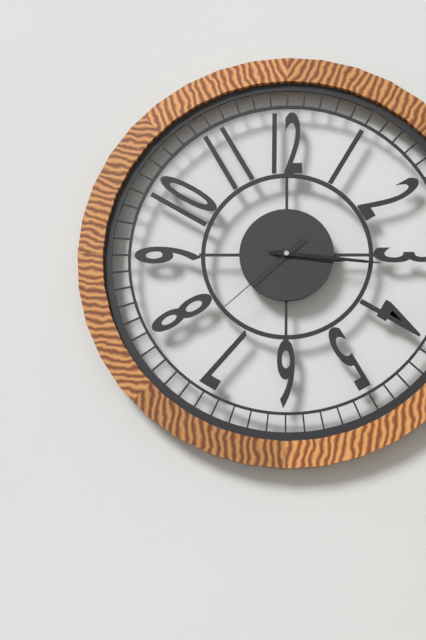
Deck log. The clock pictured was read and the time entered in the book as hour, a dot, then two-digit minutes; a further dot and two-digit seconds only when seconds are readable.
3.16.38
